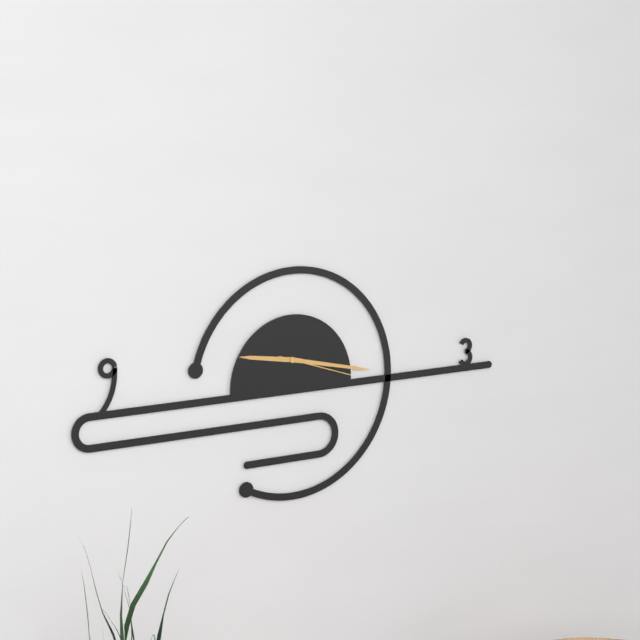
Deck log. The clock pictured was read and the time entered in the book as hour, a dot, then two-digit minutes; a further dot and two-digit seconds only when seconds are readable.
9.17.18
